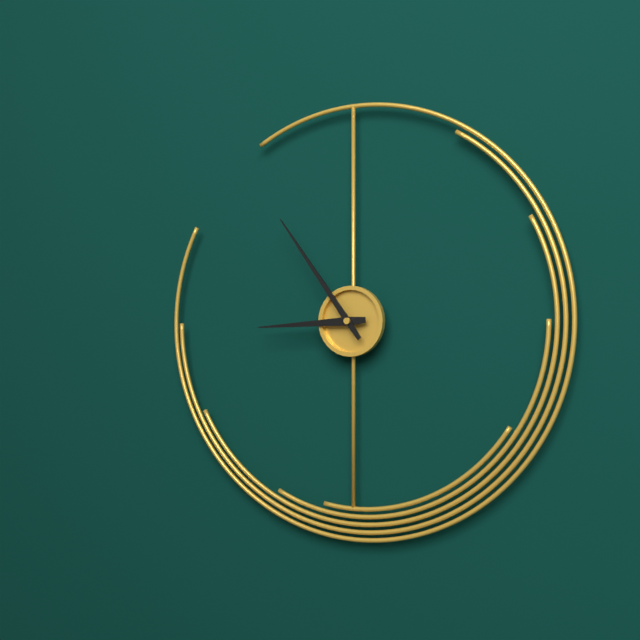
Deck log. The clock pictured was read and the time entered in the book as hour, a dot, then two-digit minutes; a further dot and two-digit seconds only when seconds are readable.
8.54
